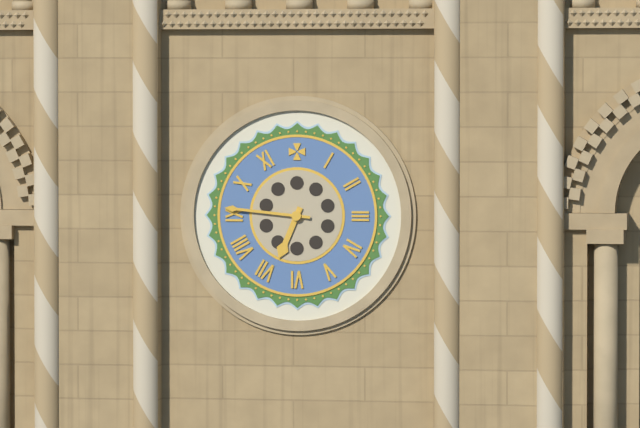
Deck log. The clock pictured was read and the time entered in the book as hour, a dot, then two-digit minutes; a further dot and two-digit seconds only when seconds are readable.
6.46
